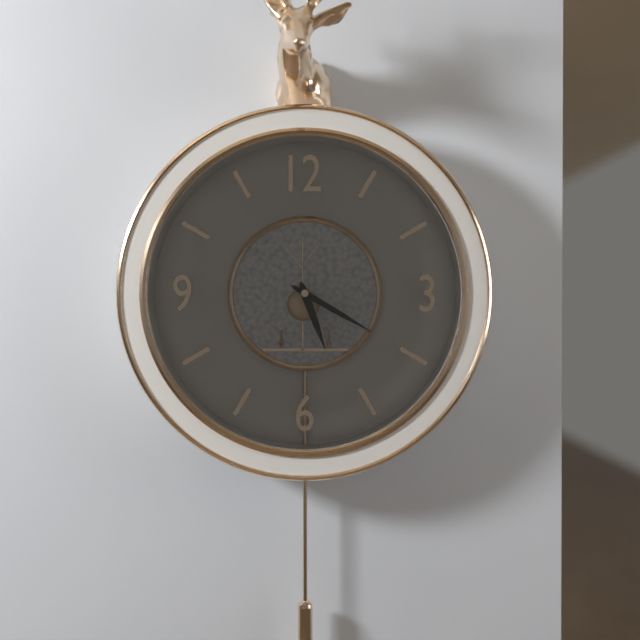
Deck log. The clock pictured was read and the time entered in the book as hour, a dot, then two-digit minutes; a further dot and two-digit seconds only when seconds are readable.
5.20
